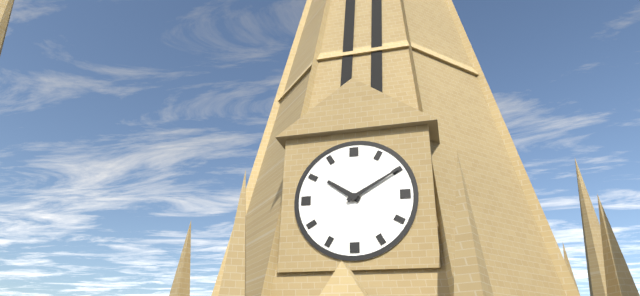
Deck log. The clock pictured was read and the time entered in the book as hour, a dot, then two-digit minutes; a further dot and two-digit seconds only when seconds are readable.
10.10
